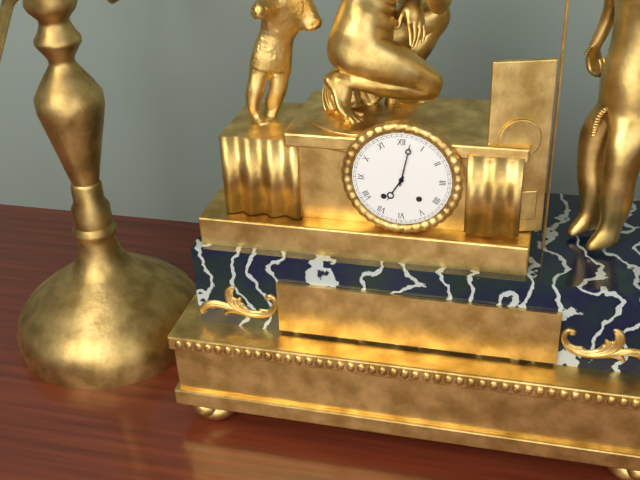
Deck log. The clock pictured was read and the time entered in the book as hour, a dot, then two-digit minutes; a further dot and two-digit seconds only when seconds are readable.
7.02
